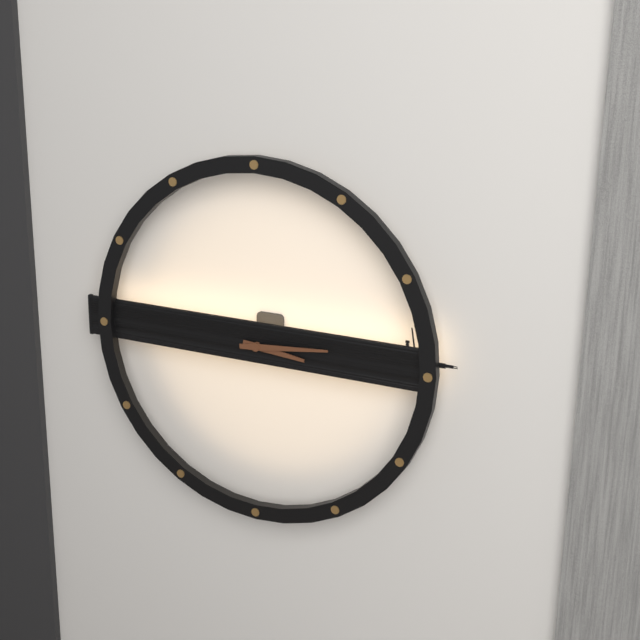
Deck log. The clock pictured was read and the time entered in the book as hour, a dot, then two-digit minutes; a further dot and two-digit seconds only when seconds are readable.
3.14
